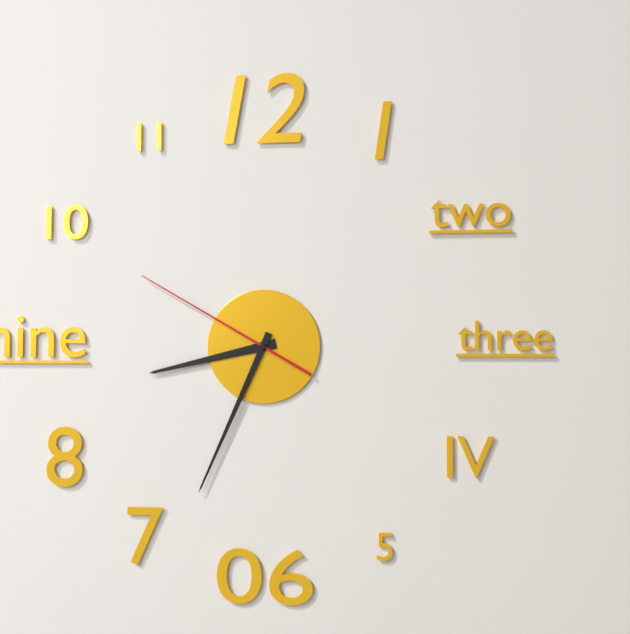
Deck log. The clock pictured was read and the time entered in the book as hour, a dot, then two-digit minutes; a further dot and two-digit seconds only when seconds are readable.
8.34.50
